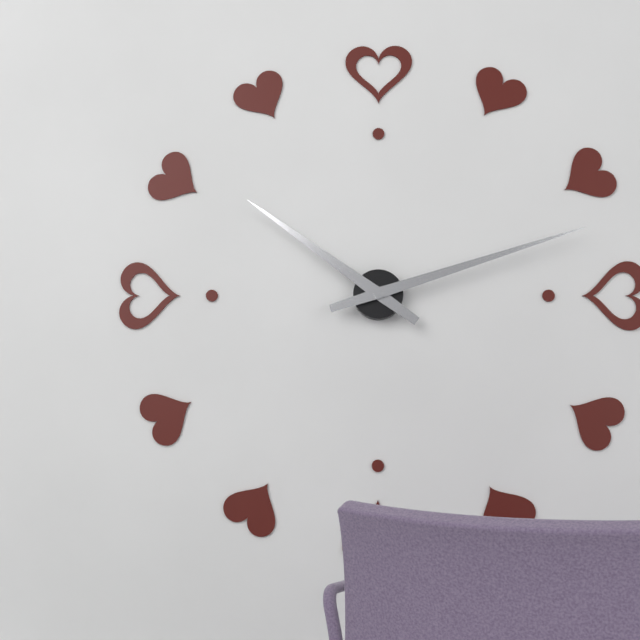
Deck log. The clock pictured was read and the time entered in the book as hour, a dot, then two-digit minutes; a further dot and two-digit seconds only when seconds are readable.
10.12
